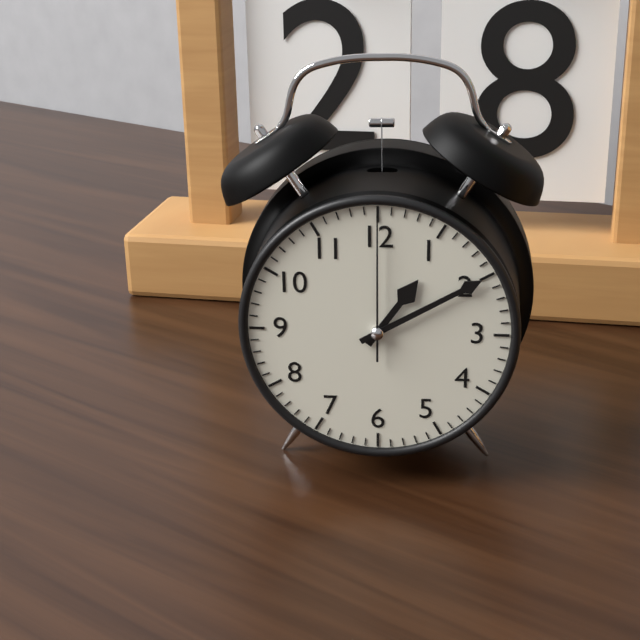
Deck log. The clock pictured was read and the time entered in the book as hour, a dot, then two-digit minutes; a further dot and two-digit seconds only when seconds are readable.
1.10.00
